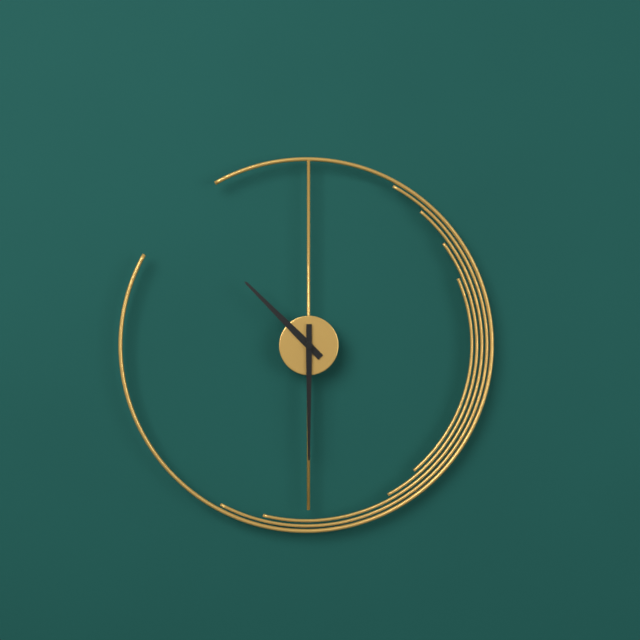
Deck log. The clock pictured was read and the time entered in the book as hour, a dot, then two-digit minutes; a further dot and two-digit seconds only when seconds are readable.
10.30
